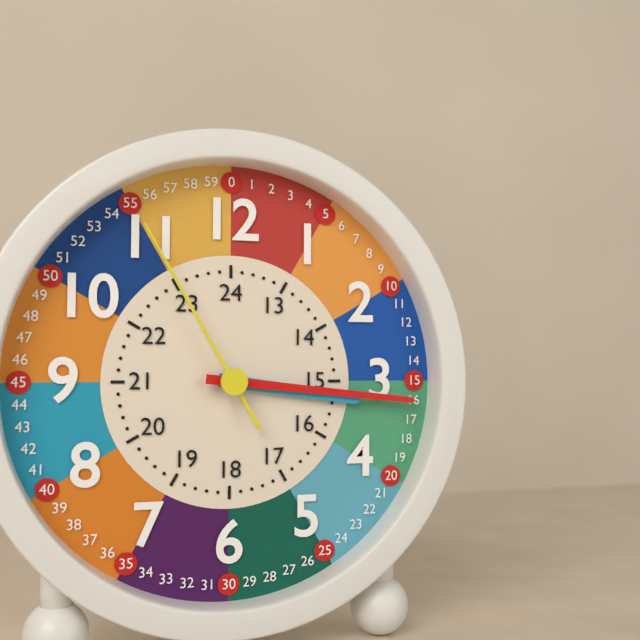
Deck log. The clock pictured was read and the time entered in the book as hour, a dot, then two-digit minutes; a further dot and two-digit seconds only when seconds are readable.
3.16.55
